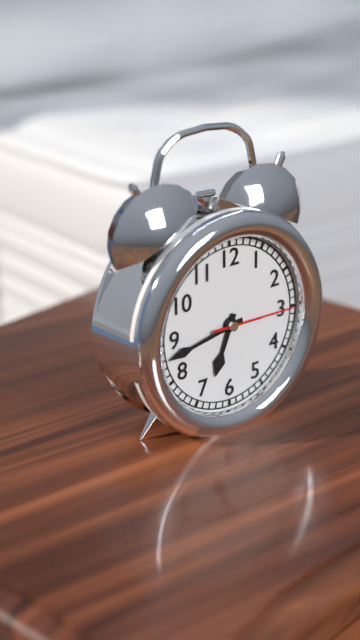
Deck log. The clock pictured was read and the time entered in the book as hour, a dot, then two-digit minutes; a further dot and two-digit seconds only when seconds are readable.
6.43.15
